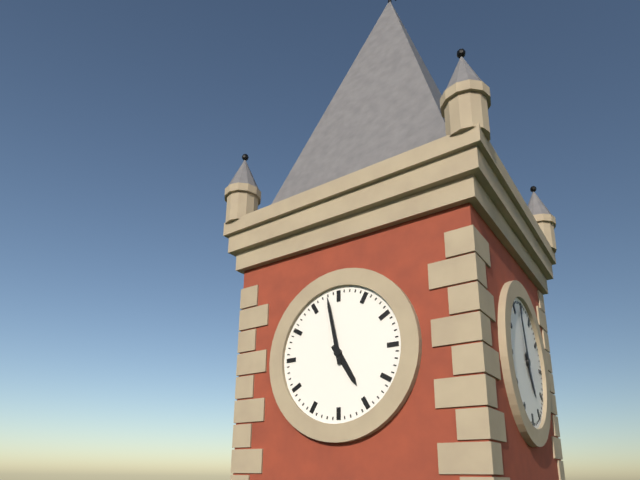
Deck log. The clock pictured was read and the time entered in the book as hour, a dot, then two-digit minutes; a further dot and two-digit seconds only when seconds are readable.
4.58
